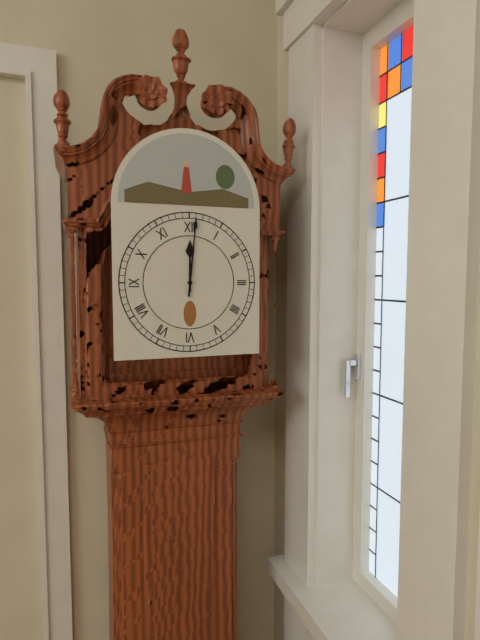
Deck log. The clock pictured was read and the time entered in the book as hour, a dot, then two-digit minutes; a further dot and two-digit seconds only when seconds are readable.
12.01
